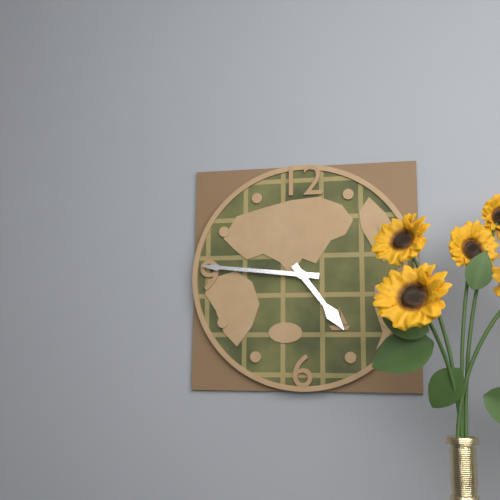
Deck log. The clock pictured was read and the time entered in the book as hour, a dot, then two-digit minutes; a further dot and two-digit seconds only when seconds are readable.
4.46
